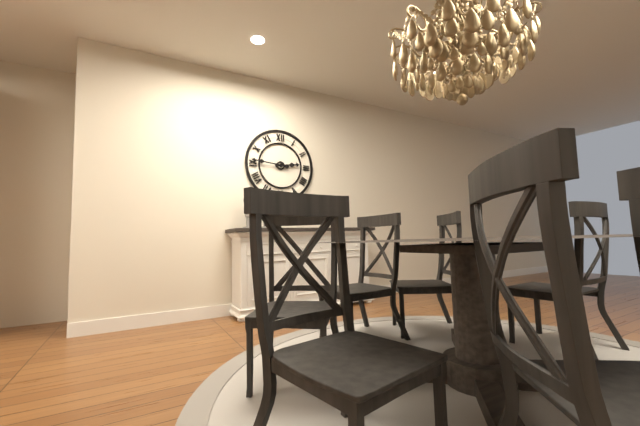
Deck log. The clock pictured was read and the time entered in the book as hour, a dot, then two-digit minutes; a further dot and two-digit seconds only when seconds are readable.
2.46
